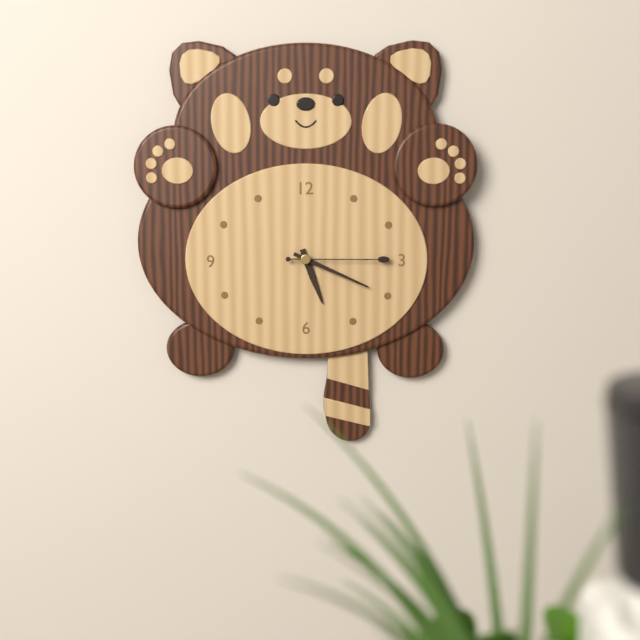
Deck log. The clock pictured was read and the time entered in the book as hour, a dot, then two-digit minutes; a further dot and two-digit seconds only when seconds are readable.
5.19.15
